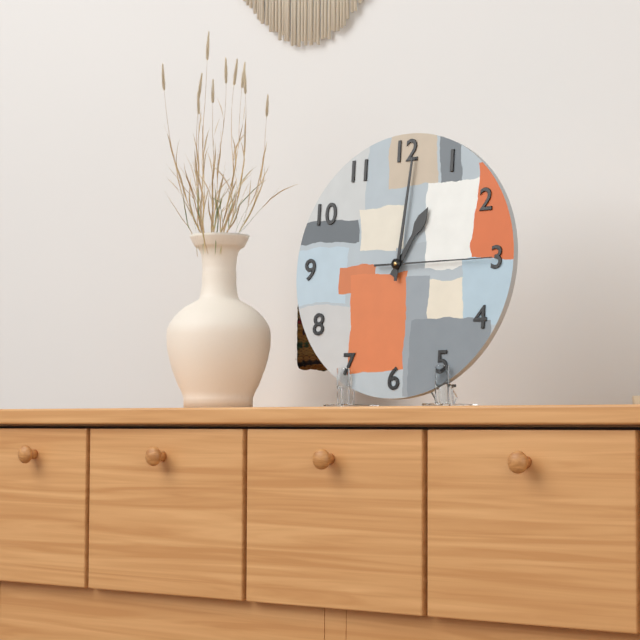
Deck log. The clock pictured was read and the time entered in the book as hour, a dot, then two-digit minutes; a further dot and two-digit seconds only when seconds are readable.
1.01.15
